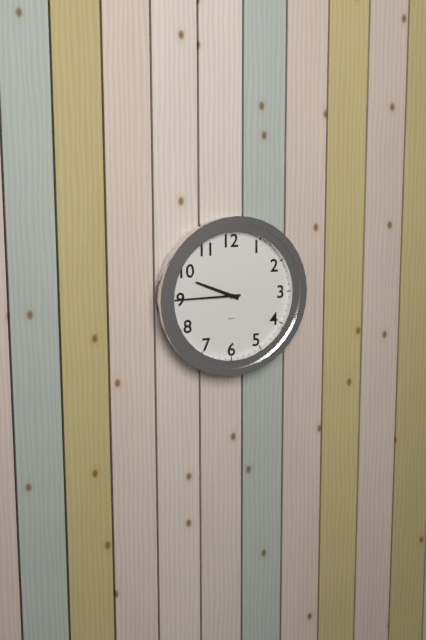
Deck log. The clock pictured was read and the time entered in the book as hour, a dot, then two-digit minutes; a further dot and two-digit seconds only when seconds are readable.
9.45
